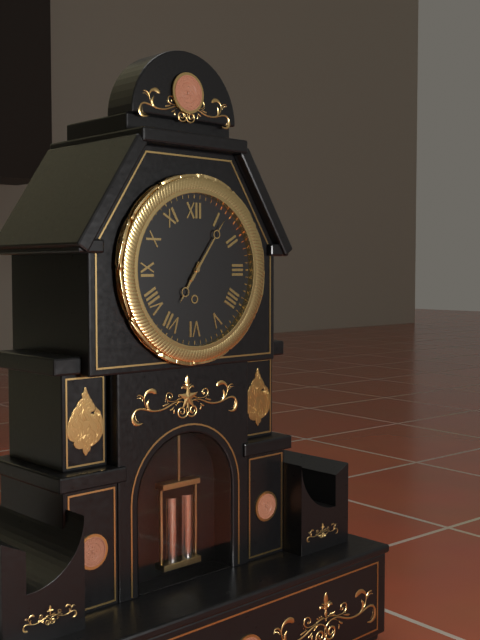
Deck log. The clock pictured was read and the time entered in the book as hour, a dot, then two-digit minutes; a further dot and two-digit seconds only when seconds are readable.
7.06
